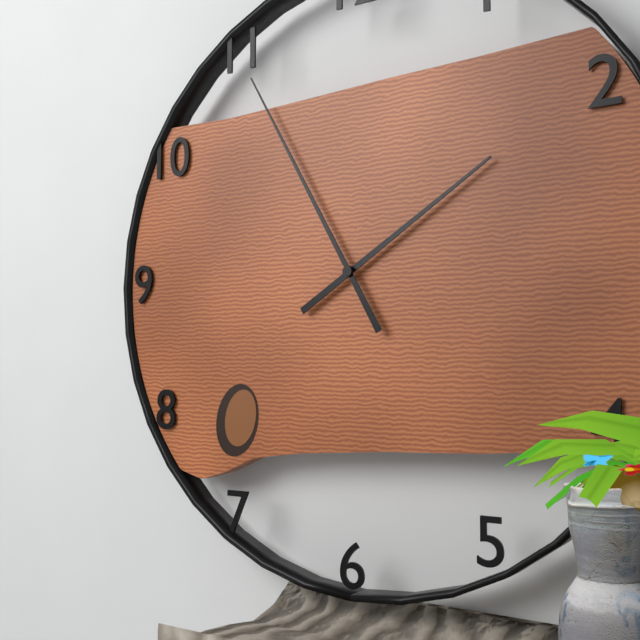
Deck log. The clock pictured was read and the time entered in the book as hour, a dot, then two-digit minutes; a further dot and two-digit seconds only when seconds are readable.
1.55
